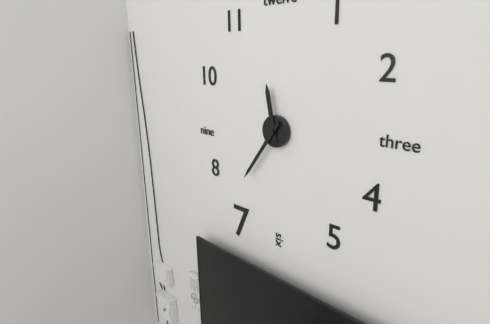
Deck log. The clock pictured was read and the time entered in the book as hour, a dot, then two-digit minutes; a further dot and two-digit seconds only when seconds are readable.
11.36
